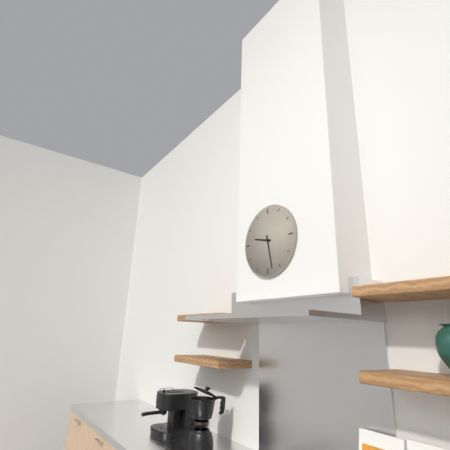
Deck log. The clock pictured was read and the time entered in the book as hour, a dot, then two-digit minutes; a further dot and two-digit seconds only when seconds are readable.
9.28
